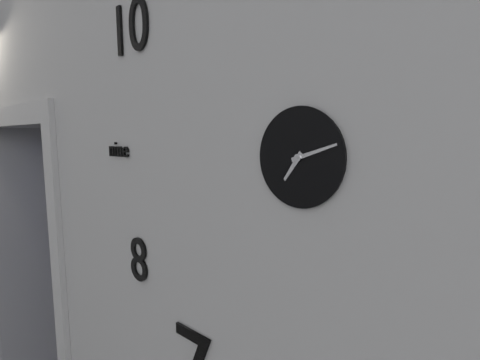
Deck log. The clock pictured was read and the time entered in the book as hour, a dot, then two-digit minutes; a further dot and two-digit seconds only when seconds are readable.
7.12
